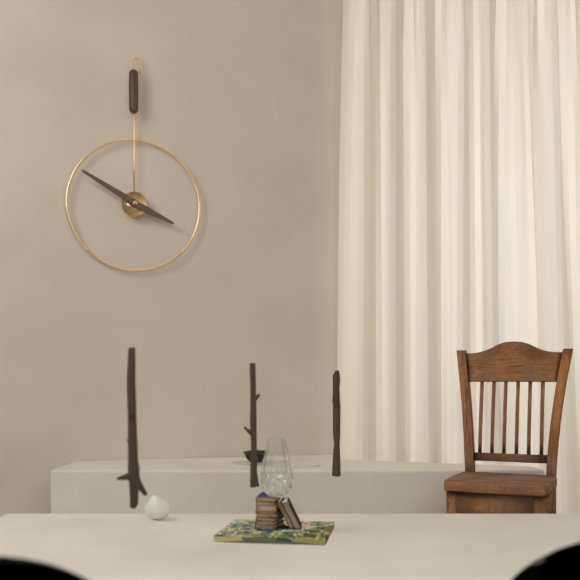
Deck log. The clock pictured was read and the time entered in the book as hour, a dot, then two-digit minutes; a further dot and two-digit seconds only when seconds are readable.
3.50
